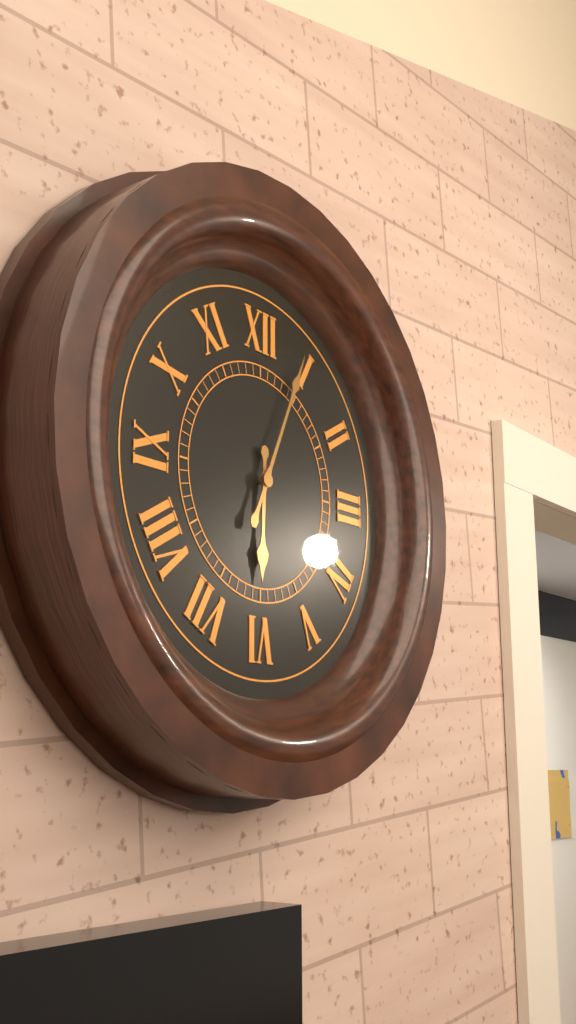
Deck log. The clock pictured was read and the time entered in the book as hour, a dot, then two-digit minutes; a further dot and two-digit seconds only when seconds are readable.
6.04
